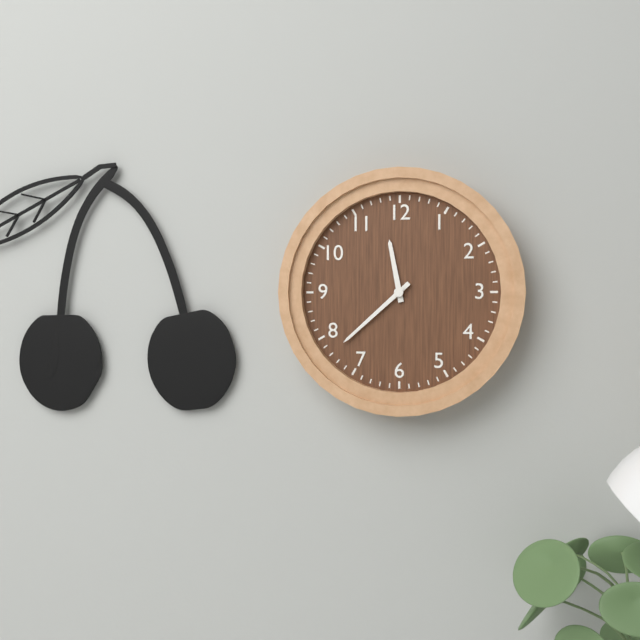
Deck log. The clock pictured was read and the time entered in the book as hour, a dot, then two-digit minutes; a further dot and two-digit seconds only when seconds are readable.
11.38
